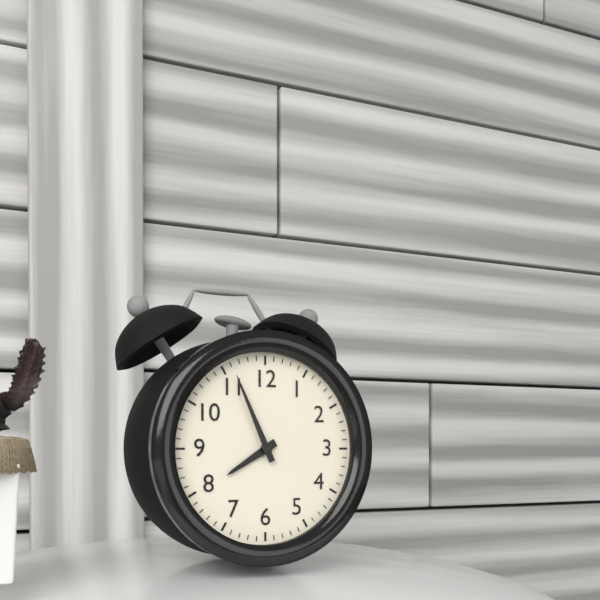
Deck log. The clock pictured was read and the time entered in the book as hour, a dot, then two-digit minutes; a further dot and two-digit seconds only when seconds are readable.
7.56
